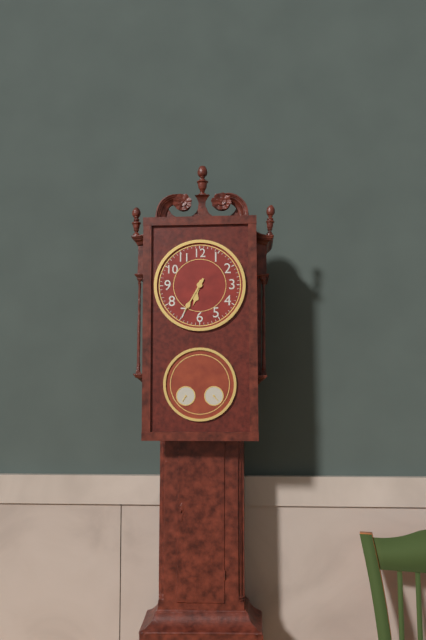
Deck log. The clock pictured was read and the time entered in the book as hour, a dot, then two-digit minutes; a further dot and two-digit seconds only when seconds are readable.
6.35
